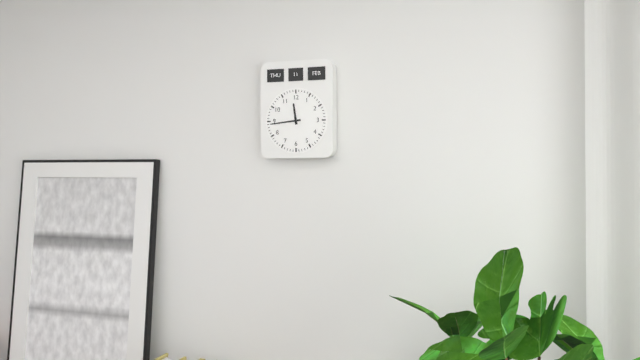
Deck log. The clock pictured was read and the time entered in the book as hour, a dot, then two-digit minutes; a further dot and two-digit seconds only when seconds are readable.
11.44
